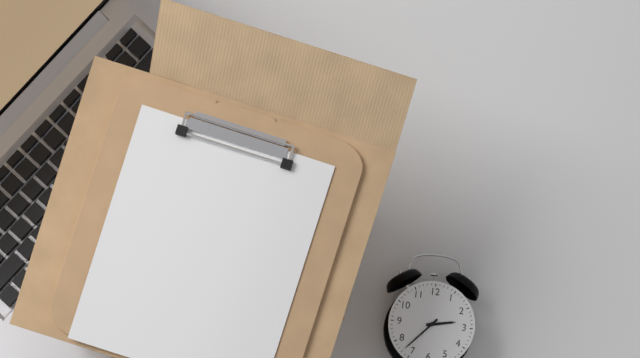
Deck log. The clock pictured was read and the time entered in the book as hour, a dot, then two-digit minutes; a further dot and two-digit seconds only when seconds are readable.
2.37
